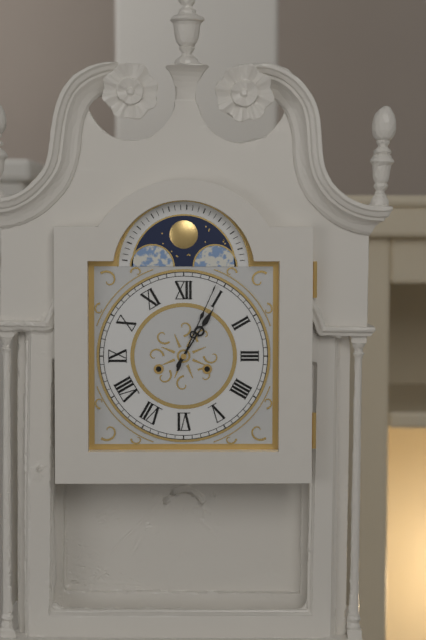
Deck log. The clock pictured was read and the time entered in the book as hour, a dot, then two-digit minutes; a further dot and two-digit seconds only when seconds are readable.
1.04
